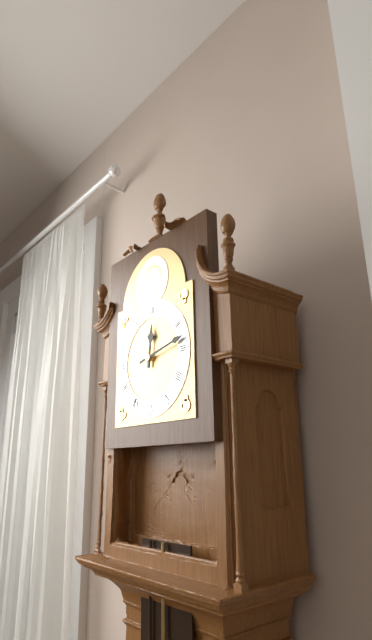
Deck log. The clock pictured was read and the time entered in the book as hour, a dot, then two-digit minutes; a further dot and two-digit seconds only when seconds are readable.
12.13
